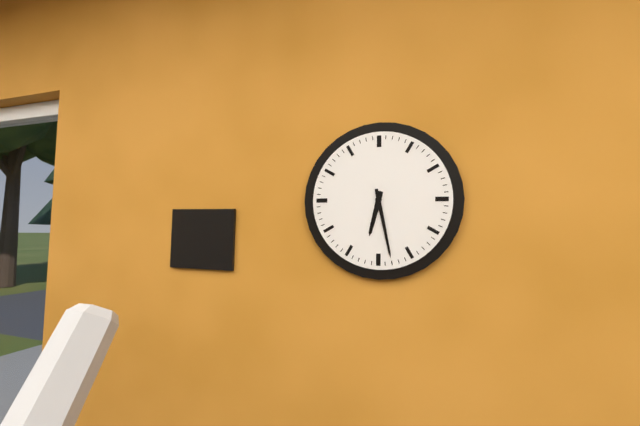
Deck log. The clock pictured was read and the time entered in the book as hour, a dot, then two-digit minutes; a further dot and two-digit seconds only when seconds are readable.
6.28
